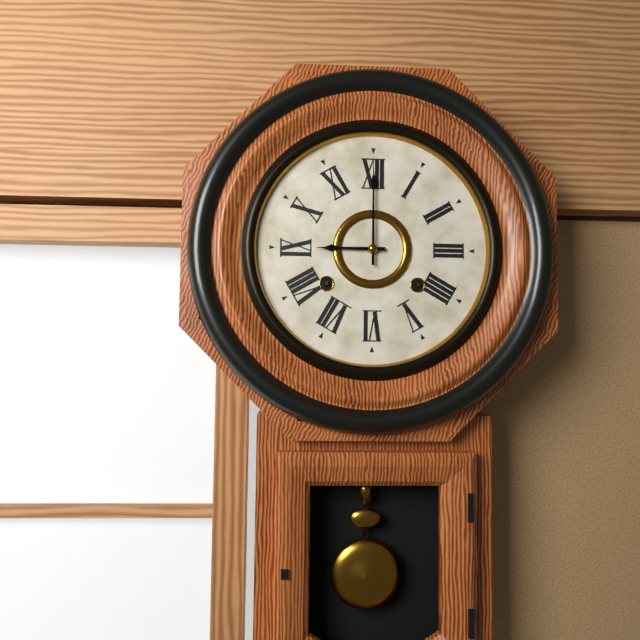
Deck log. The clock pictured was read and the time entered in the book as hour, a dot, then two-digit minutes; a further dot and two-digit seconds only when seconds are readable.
9.00
